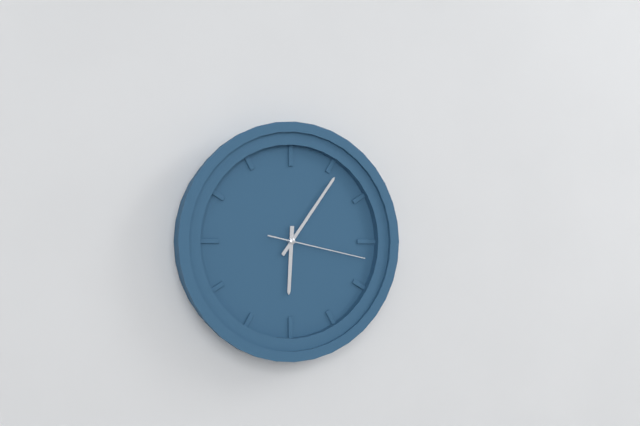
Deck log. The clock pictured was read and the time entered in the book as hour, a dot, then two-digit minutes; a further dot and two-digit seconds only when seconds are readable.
6.06.17
